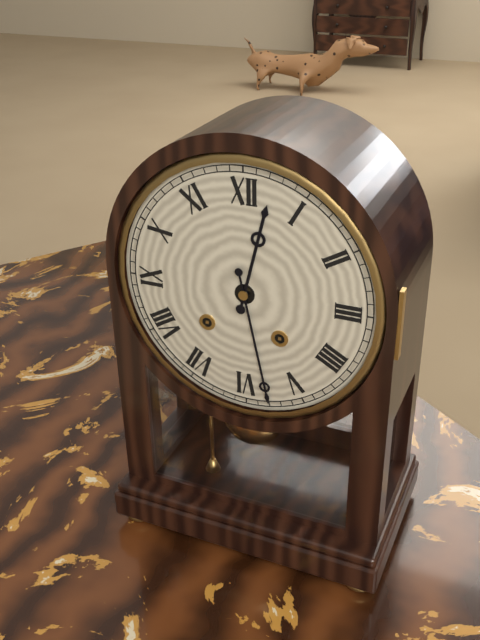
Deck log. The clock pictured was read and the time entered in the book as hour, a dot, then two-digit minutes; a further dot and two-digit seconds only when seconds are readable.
12.28
